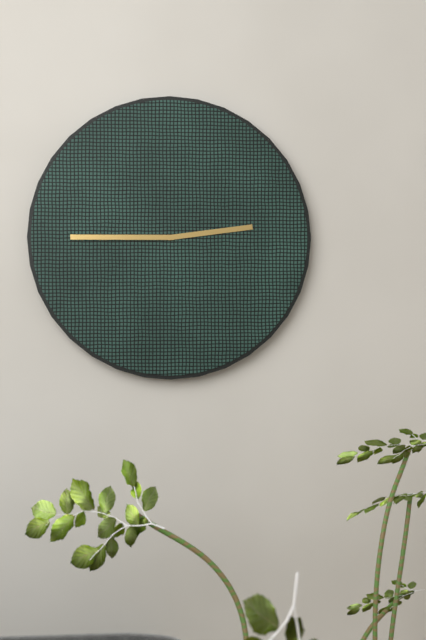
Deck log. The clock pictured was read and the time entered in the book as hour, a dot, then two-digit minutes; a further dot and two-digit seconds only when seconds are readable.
2.45
